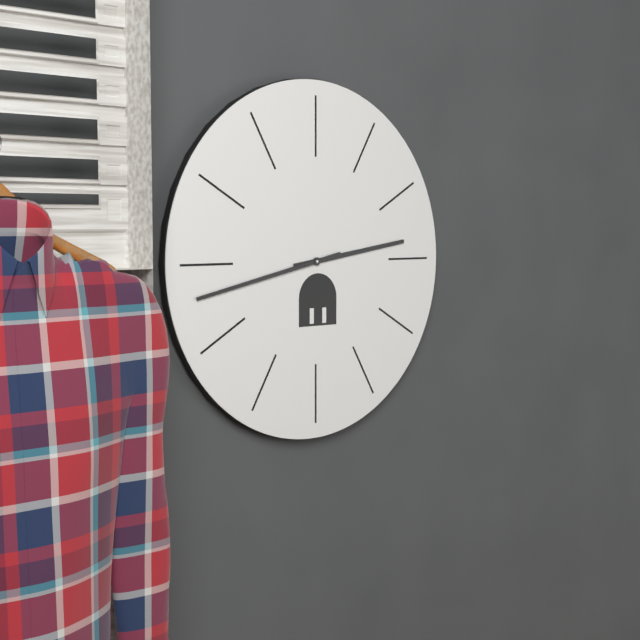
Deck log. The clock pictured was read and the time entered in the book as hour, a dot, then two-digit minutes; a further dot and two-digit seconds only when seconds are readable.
2.43
